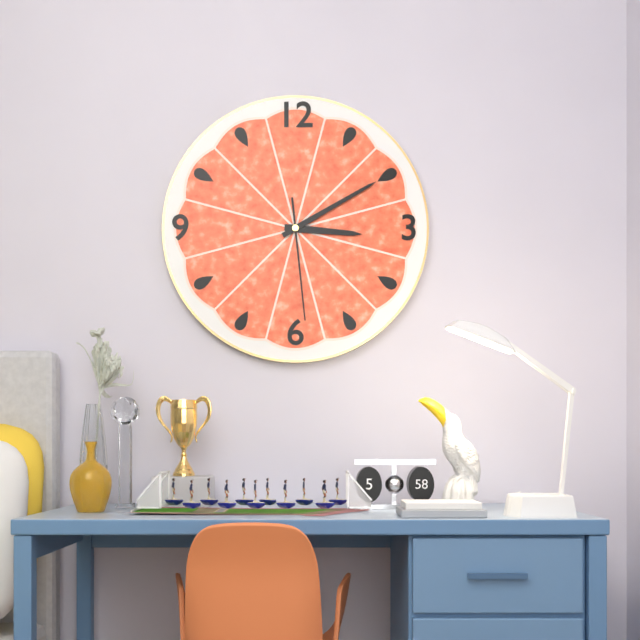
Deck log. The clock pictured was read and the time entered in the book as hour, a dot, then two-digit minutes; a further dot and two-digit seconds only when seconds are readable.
3.10.29
